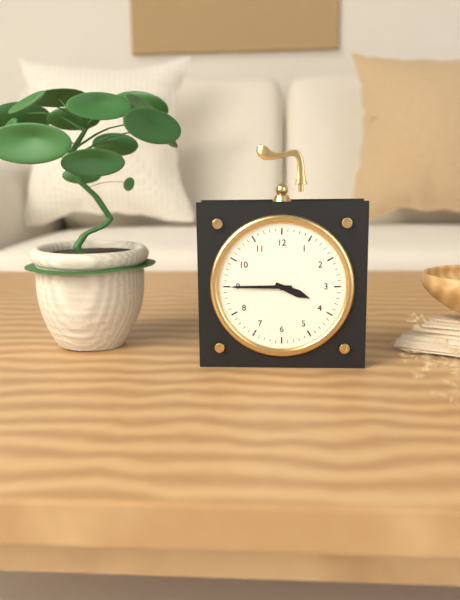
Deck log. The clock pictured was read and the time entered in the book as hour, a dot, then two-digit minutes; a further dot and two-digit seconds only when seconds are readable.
3.45
